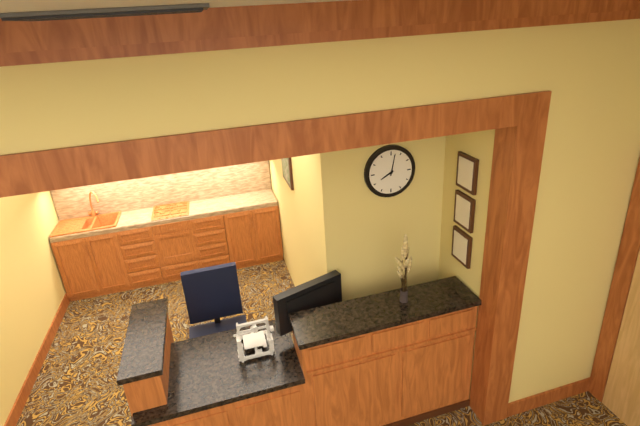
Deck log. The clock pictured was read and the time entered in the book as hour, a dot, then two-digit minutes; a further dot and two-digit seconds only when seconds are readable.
8.02
